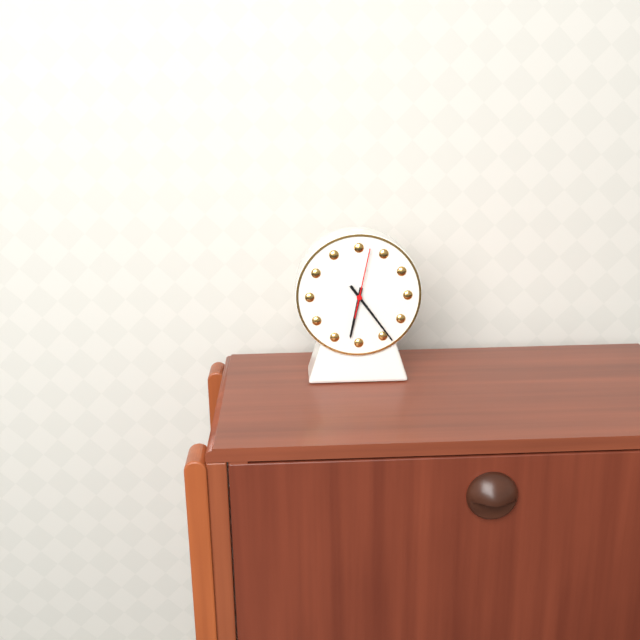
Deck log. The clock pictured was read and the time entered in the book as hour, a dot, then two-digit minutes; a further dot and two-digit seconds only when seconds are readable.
6.24.02
